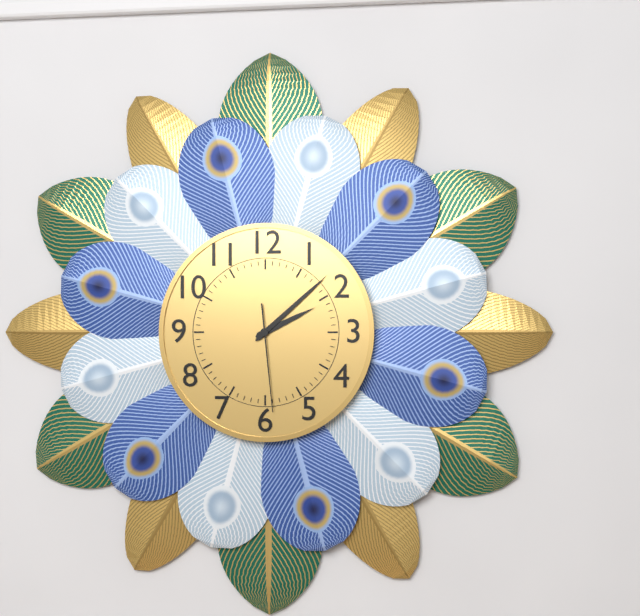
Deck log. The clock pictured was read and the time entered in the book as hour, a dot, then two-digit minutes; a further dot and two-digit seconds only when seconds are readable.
2.08.29
